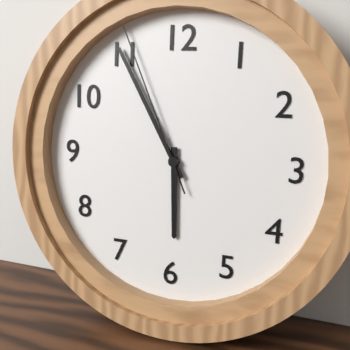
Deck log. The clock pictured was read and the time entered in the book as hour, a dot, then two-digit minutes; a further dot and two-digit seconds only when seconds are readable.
5.55.56
